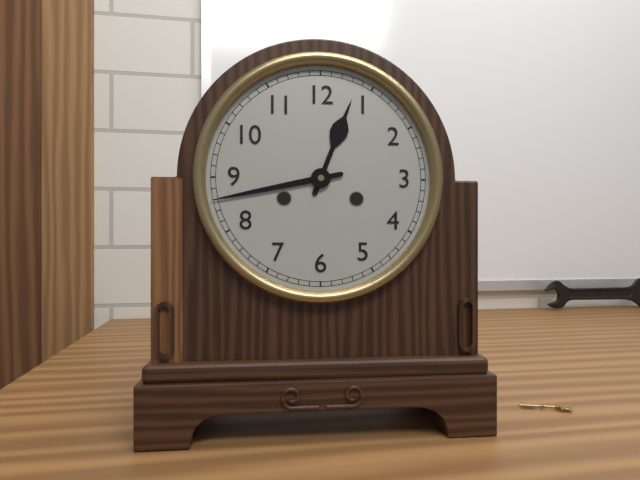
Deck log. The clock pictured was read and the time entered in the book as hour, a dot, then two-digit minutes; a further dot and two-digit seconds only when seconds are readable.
12.43
